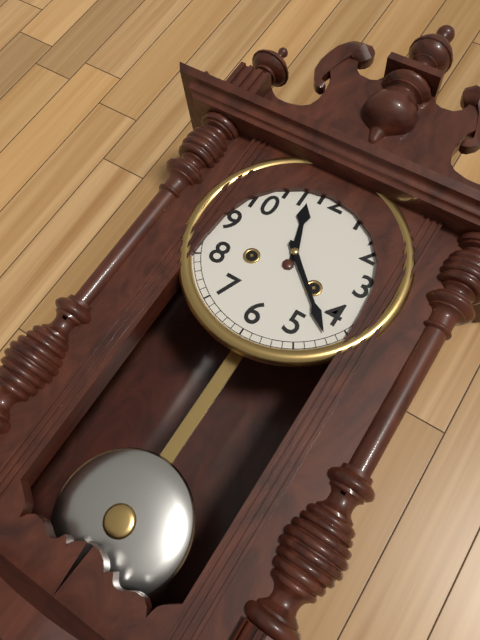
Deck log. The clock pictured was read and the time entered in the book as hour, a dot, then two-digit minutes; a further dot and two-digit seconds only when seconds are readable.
11.22
